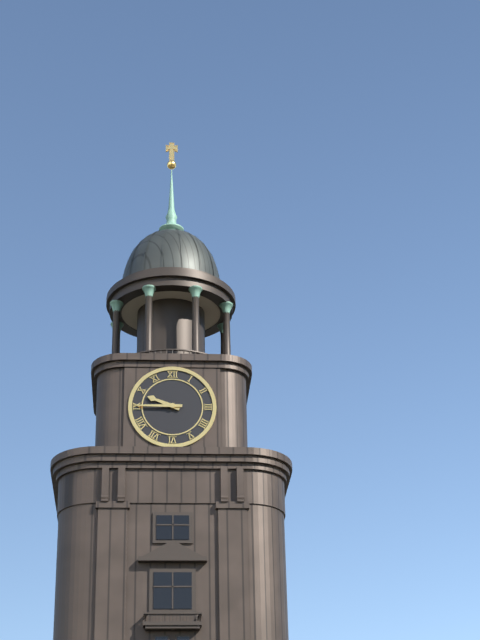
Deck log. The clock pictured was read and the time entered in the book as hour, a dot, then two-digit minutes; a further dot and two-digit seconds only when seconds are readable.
9.45
